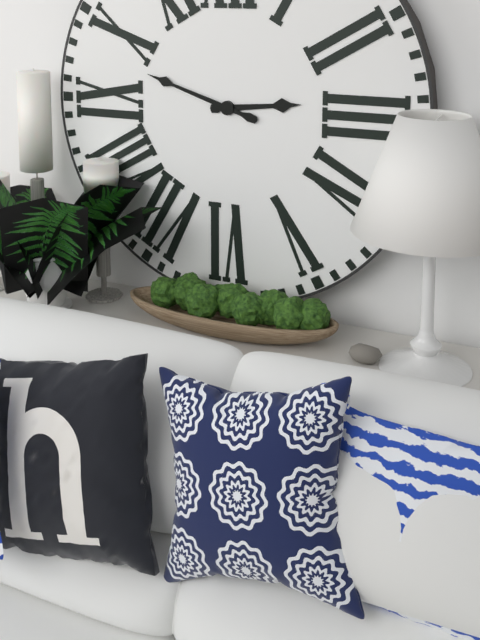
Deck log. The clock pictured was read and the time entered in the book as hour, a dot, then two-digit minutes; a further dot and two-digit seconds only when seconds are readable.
2.48
